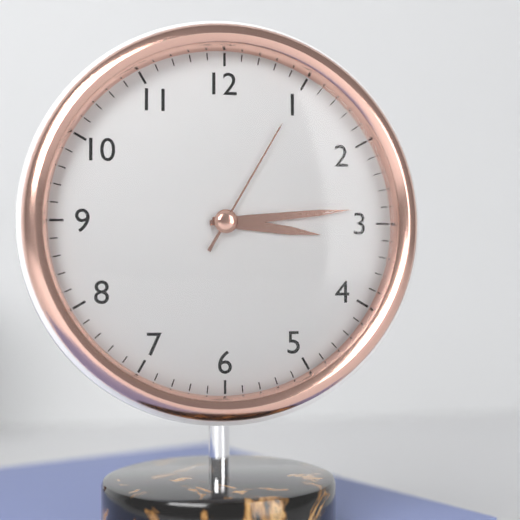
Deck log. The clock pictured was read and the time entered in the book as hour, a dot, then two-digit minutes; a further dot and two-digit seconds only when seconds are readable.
3.14.05
